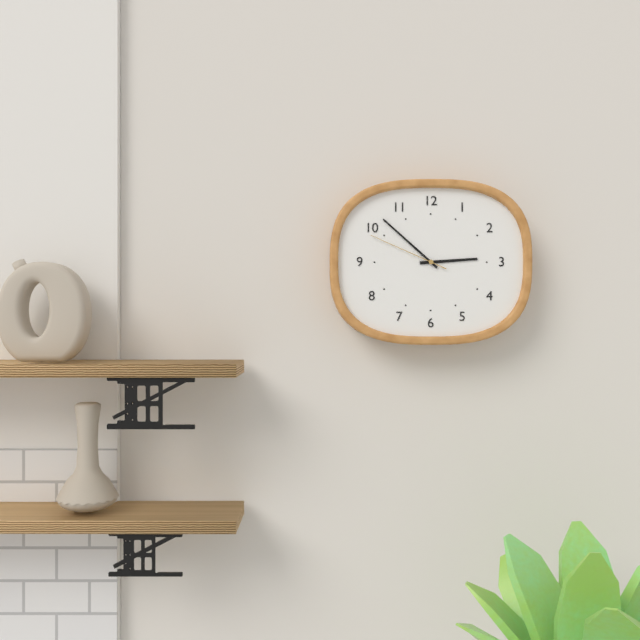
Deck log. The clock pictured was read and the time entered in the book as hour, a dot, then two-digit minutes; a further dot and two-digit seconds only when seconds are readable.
2.52.49
